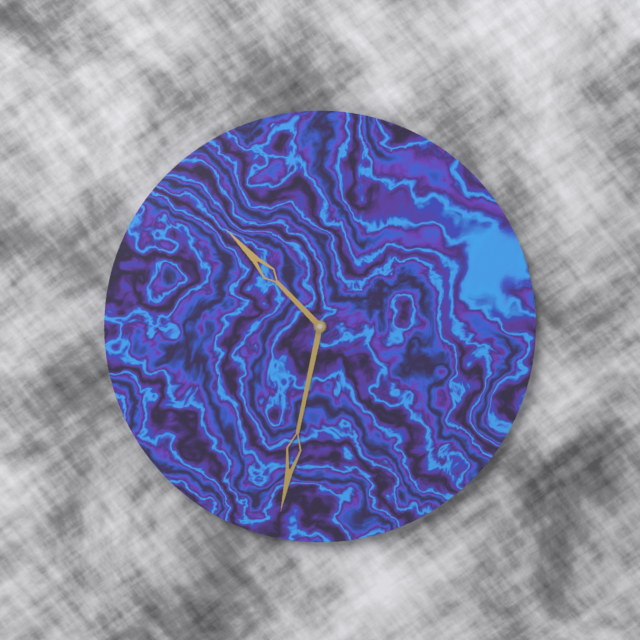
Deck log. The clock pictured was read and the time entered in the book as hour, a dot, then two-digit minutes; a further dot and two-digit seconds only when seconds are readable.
10.32
